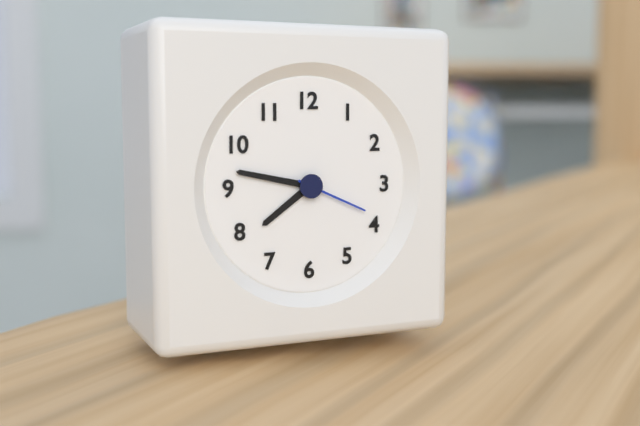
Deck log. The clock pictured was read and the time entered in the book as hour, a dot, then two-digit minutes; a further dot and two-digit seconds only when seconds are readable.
7.47.19
